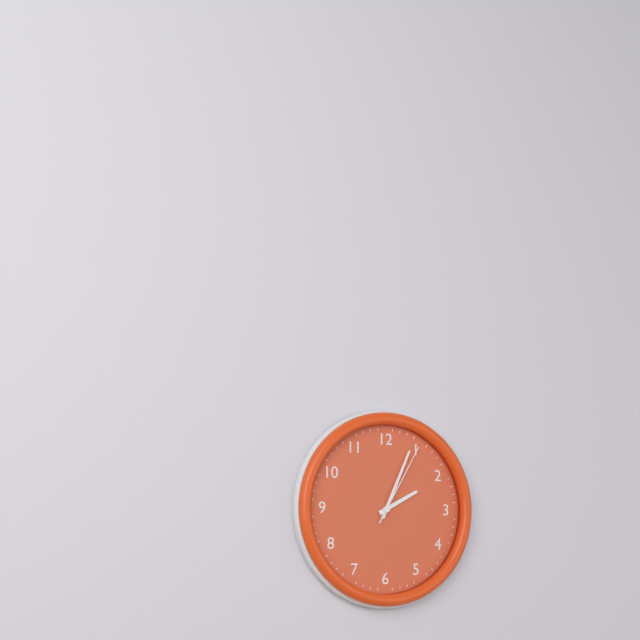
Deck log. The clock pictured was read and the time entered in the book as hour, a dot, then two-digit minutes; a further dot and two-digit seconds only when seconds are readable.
2.04.05
